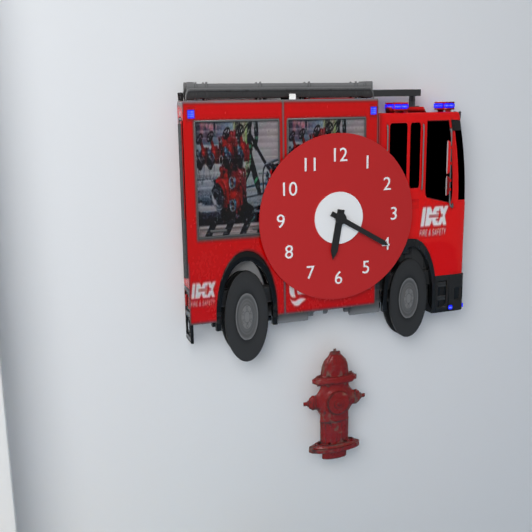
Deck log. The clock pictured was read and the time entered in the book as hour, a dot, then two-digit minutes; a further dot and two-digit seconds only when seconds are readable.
6.20
